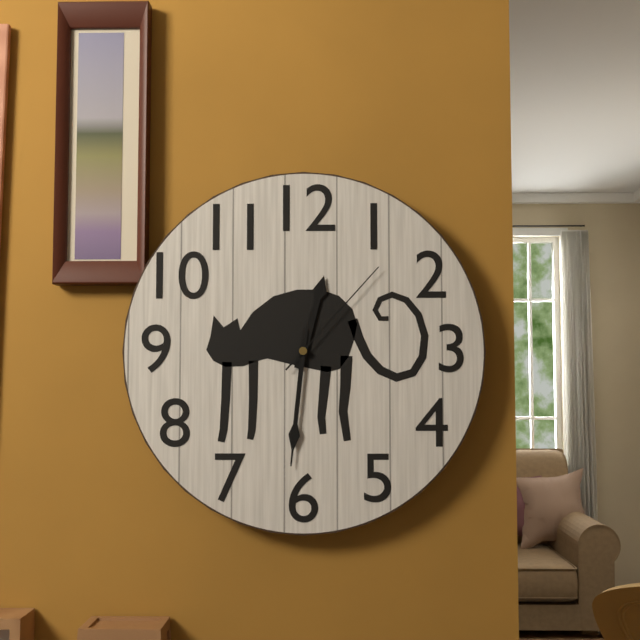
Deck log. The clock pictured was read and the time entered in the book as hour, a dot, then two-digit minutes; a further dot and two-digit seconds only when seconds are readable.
12.31.07
